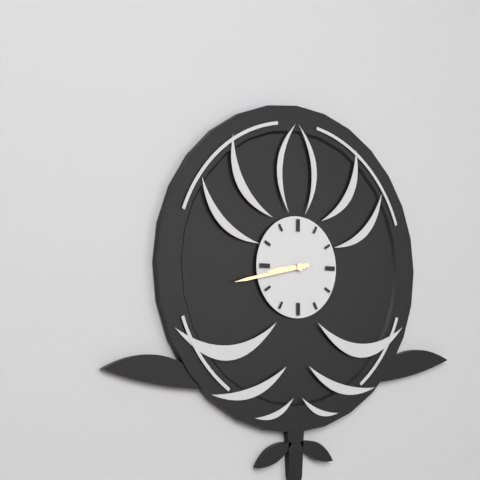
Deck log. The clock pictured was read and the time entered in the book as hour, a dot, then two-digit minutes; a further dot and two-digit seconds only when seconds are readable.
8.43
